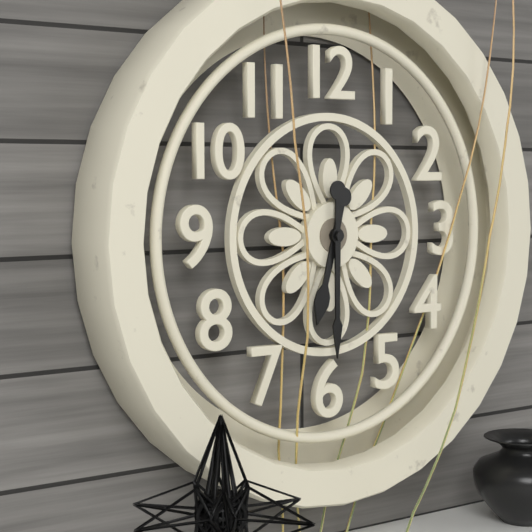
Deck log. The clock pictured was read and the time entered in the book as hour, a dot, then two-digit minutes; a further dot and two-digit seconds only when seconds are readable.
6.30
